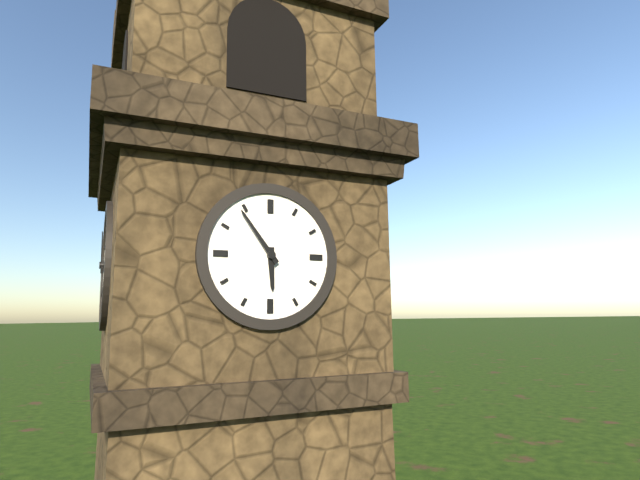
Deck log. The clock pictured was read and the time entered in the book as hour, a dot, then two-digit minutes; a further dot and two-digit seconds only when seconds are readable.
5.54
